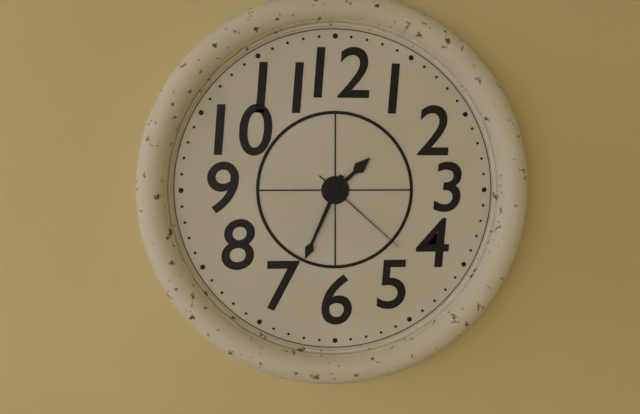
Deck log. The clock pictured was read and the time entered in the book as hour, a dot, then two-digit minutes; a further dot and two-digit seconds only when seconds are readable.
1.34.22
